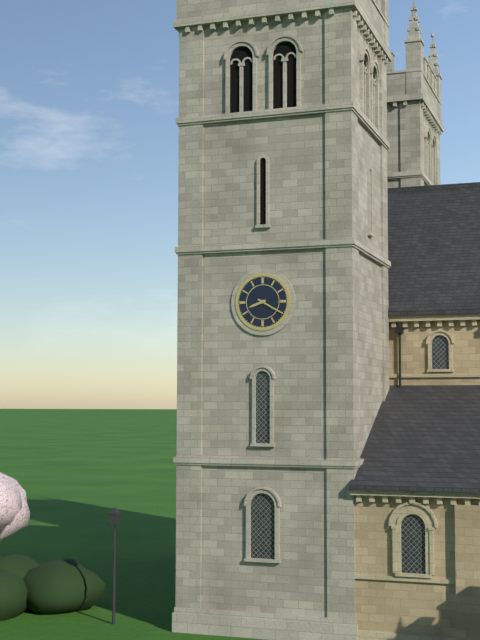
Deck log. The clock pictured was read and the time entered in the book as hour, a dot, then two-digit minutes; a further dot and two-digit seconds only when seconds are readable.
8.20
